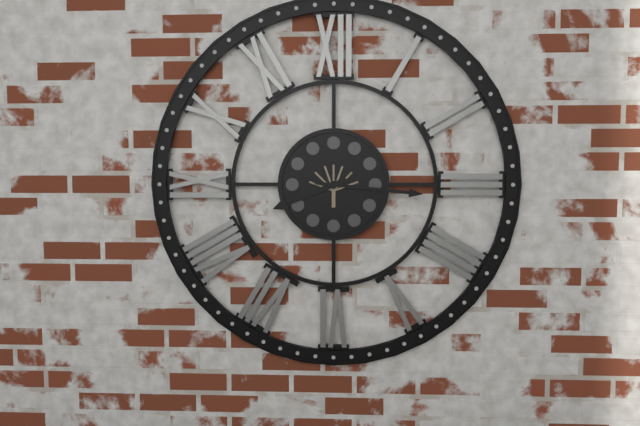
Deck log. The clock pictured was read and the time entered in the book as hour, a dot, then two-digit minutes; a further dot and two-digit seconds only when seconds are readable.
8.16
